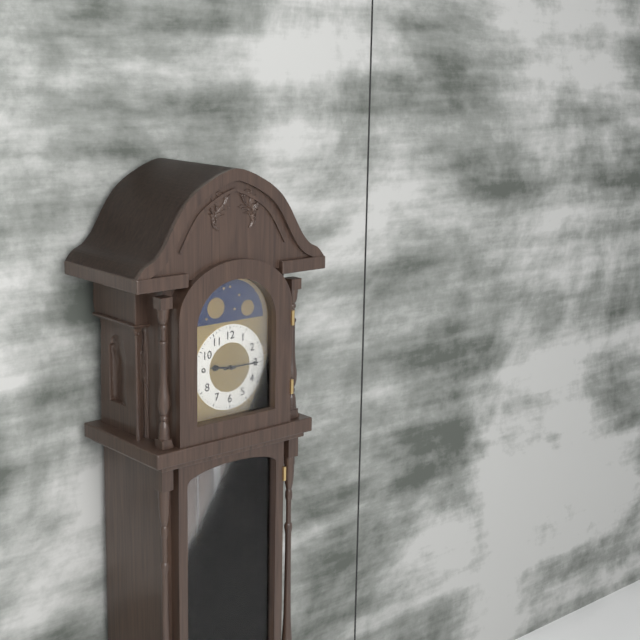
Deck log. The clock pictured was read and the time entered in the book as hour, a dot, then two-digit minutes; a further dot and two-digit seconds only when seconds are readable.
9.15
